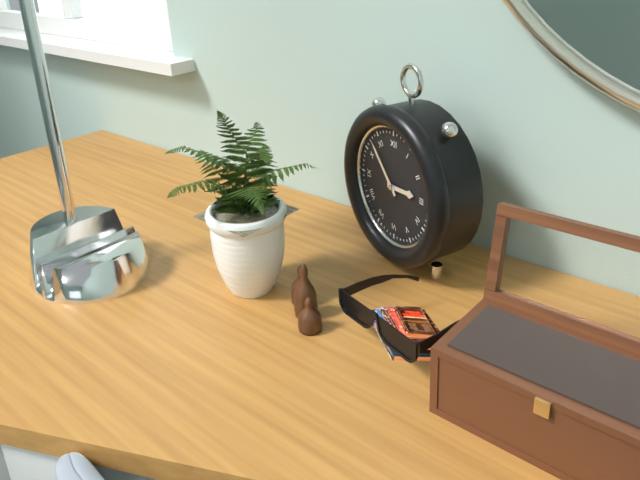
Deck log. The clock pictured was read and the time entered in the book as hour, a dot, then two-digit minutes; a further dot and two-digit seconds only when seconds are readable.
2.53
